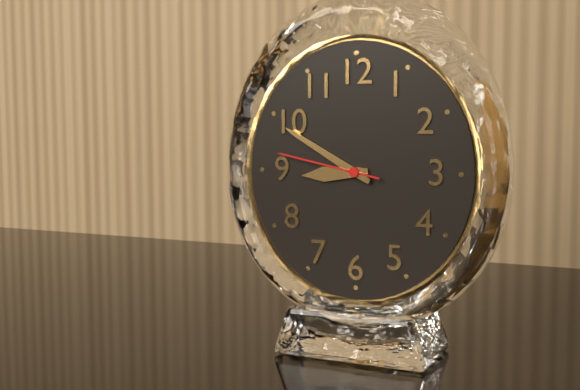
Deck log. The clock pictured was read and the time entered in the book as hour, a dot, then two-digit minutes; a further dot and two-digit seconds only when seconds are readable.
8.50.47
